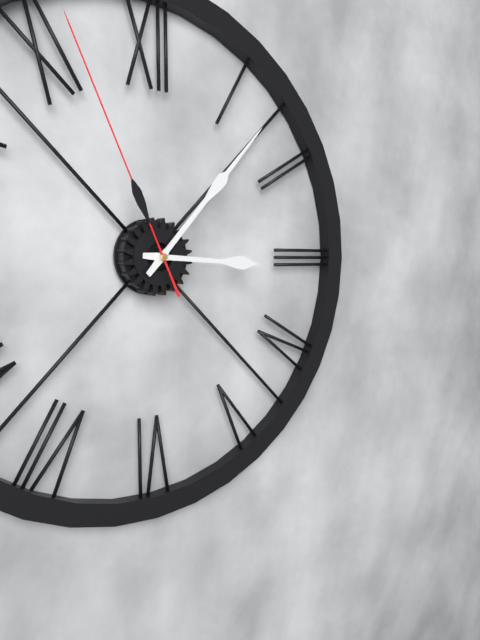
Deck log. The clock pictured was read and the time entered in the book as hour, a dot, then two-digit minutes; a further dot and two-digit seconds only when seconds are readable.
3.07.56
